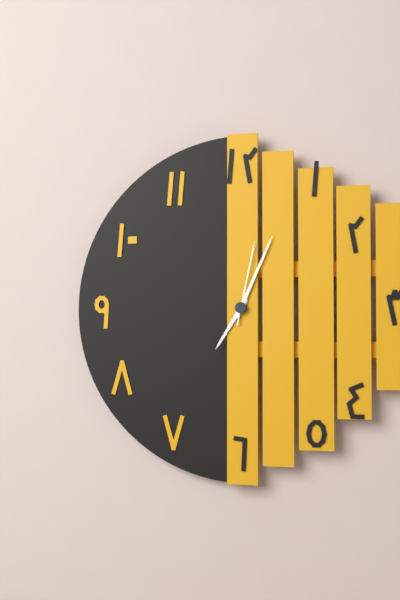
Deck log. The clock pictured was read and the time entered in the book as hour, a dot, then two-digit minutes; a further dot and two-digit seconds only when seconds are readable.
7.04.02
